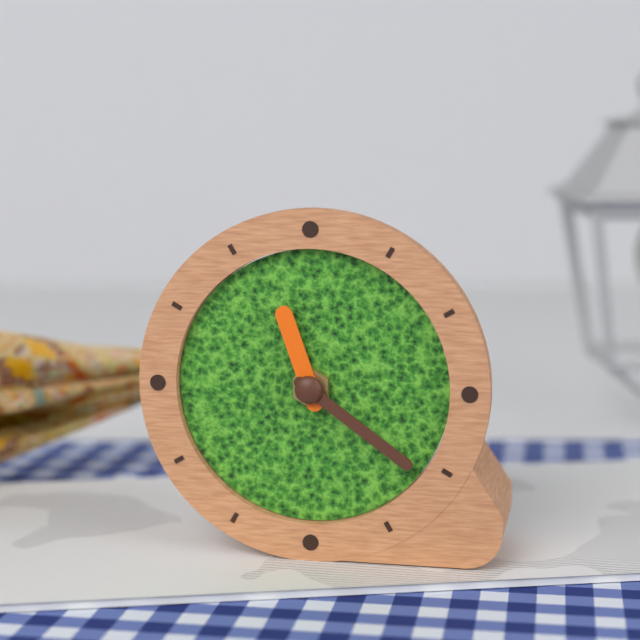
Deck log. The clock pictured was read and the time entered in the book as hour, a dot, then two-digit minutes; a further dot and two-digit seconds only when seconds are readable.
11.21
